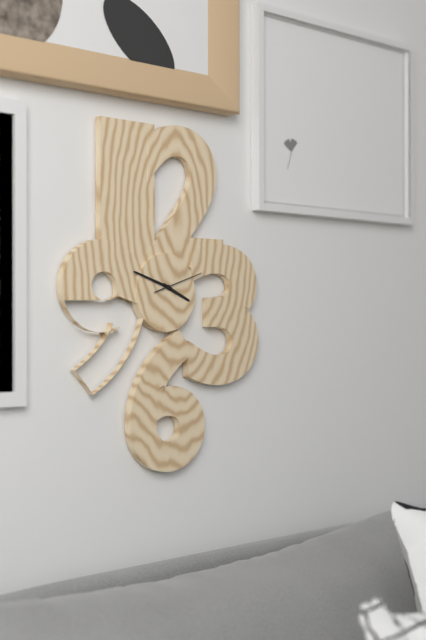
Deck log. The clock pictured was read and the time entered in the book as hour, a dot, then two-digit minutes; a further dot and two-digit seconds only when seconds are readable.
3.48
